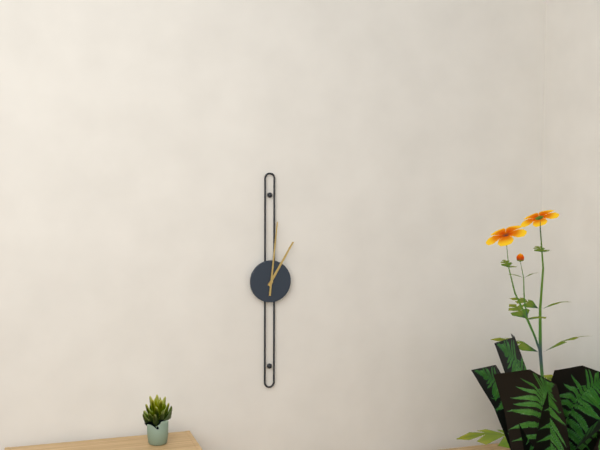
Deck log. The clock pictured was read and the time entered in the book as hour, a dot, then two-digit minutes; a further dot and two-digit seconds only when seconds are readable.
1.01
